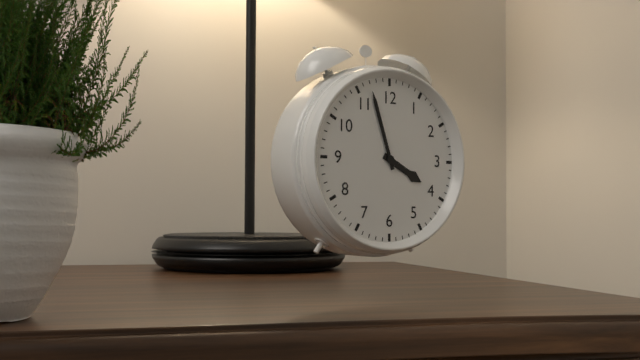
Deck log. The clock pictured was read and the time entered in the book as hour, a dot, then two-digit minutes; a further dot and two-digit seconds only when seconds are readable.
3.57
